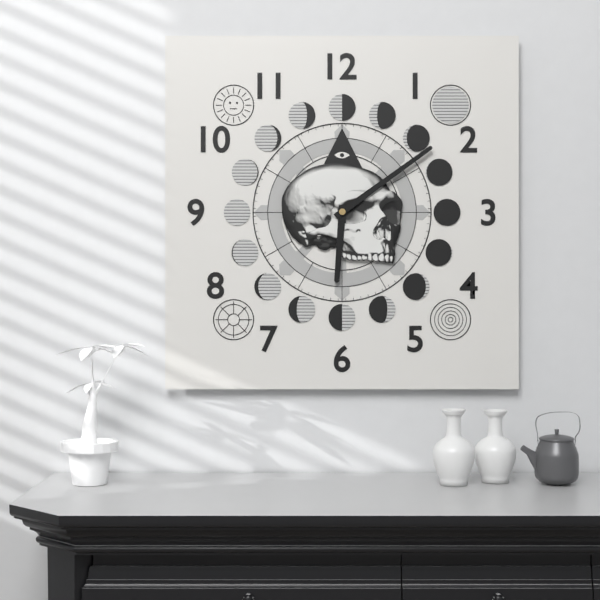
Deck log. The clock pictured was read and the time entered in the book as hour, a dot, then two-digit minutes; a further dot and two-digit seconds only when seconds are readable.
6.09
